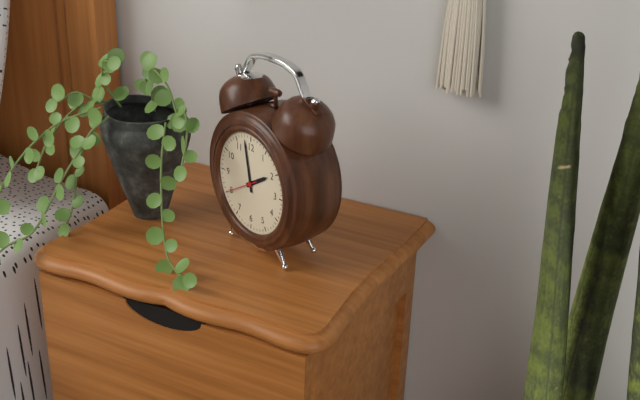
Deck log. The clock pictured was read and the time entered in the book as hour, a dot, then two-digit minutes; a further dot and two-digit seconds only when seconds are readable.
1.58
